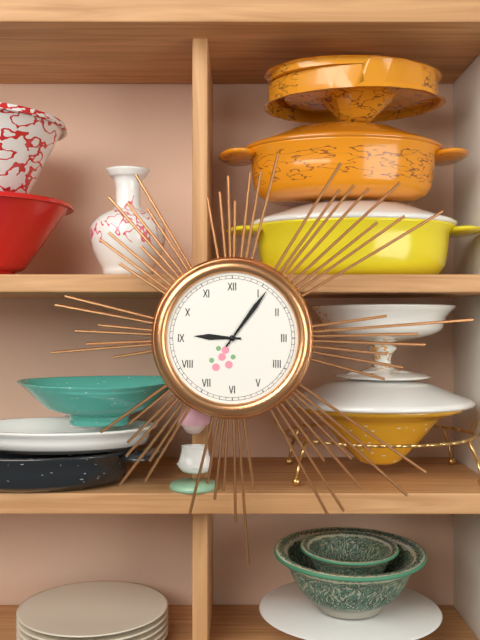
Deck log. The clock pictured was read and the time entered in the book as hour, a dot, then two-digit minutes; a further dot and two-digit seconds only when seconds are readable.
9.06
